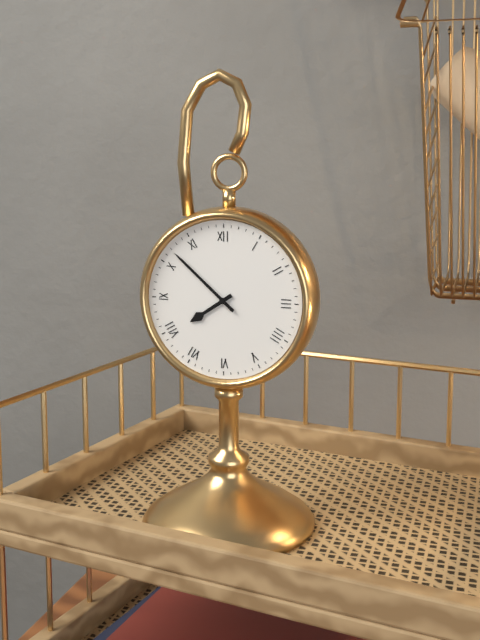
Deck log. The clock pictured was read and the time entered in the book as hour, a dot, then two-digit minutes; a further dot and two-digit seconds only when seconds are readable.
7.52
